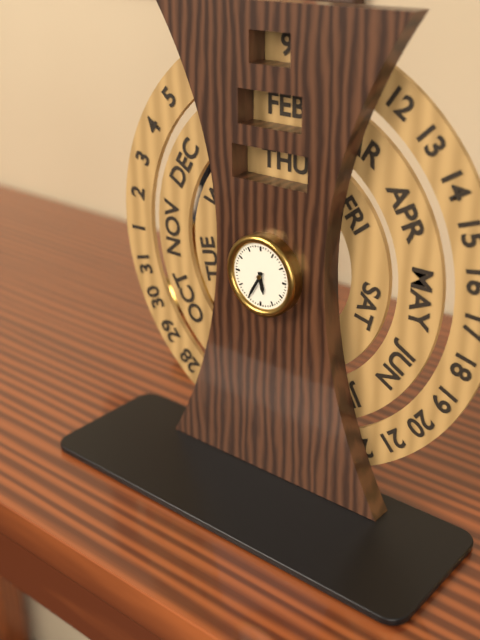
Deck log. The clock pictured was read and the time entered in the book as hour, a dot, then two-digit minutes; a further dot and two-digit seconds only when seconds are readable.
5.35
